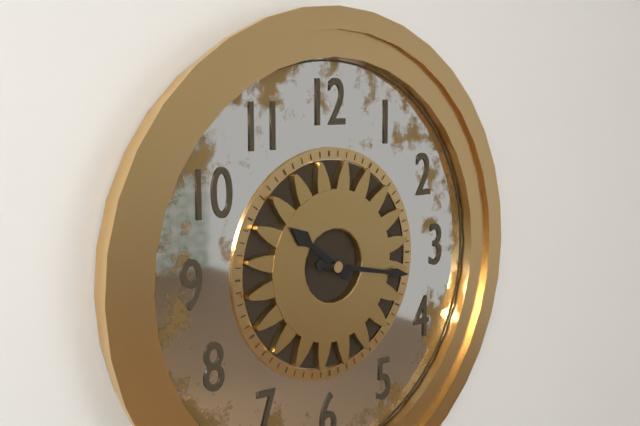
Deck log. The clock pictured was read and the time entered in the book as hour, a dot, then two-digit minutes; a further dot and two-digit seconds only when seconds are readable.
10.17
